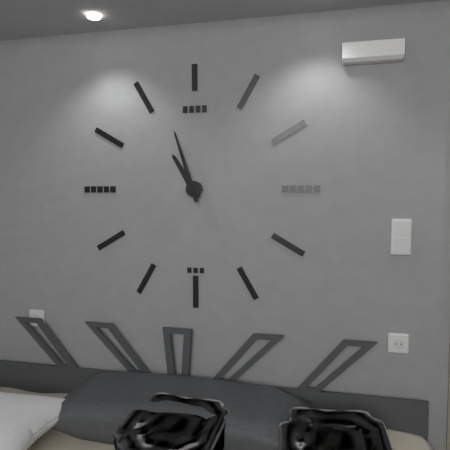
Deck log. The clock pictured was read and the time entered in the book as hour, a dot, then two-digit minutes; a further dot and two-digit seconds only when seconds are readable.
10.57
